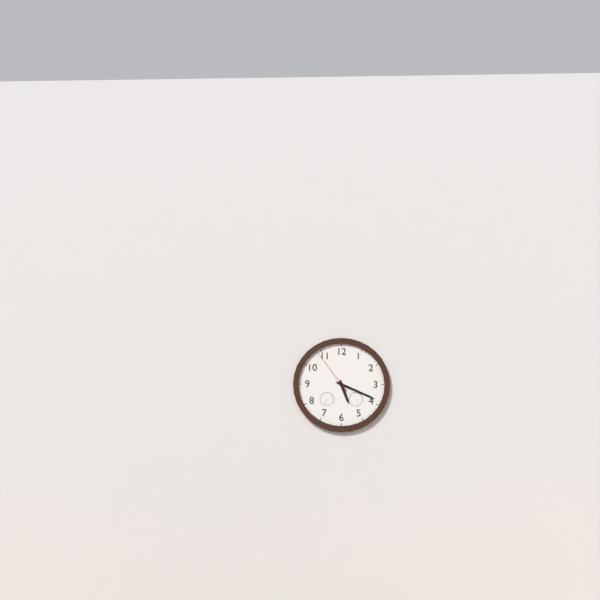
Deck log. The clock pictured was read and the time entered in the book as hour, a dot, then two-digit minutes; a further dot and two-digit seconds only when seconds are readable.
5.19
